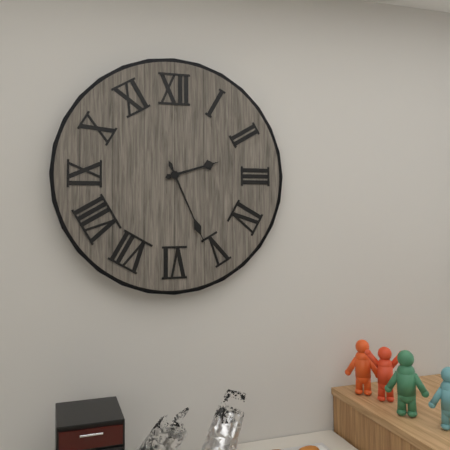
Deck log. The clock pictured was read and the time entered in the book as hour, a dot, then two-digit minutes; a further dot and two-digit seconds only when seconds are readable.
2.26
